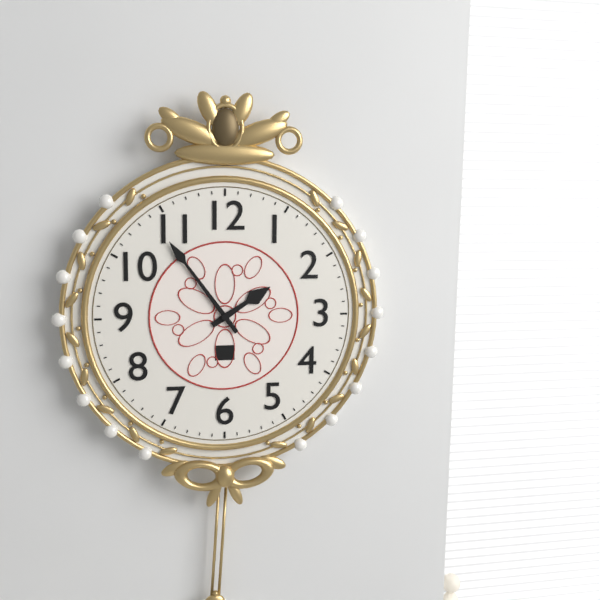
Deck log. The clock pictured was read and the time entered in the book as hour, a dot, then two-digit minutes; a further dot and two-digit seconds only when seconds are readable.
1.54
